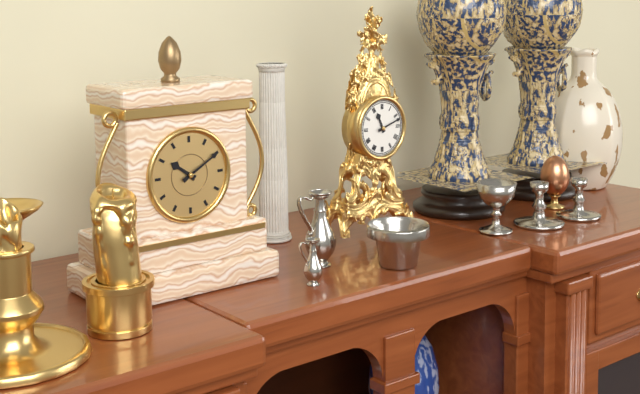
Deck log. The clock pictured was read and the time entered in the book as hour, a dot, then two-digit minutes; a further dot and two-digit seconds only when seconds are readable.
11.12
